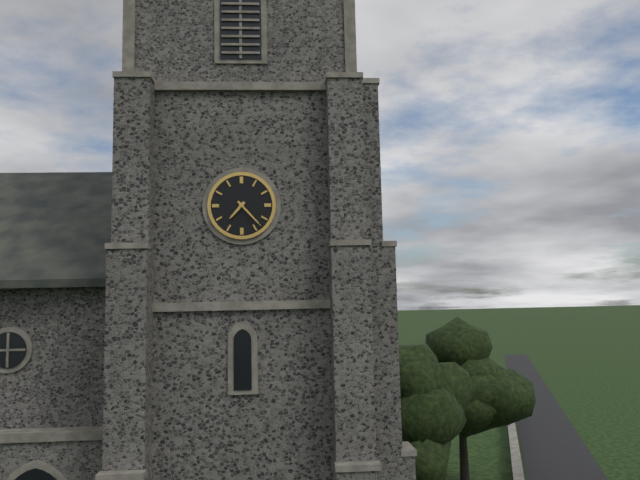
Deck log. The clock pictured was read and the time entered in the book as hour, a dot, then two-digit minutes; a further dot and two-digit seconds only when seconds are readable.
7.23
